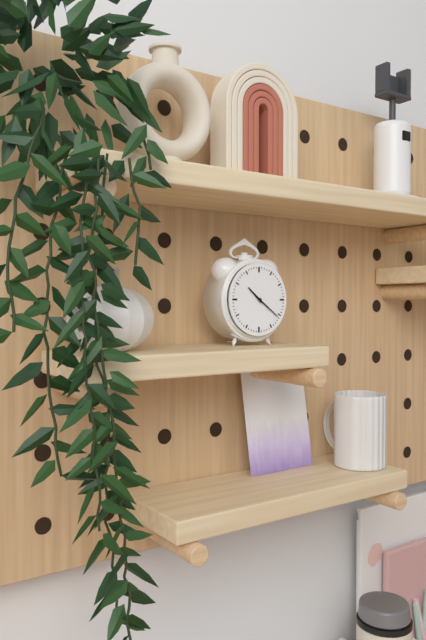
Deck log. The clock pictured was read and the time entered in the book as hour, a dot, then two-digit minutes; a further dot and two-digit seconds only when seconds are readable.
10.21
